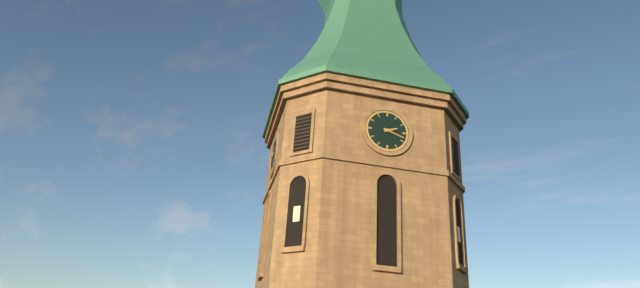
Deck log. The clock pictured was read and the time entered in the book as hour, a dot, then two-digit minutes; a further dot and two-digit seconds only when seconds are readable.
2.18
